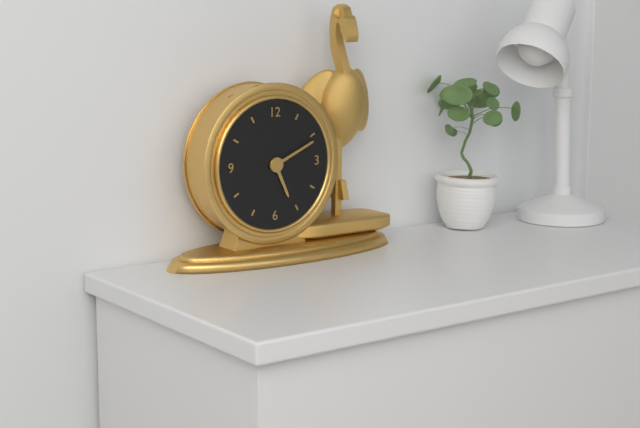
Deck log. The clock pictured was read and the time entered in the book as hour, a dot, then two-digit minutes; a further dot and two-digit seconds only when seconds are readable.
5.11
